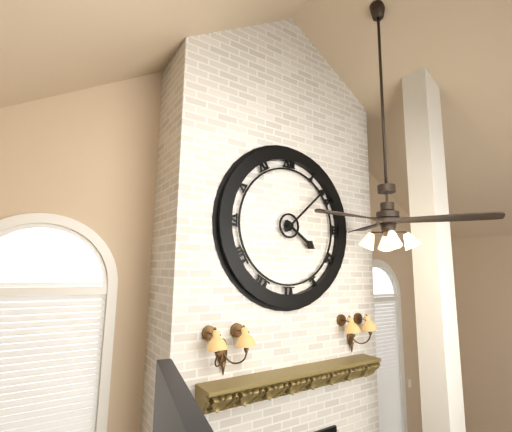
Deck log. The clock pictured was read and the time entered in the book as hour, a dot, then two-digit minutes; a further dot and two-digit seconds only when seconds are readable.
4.08
